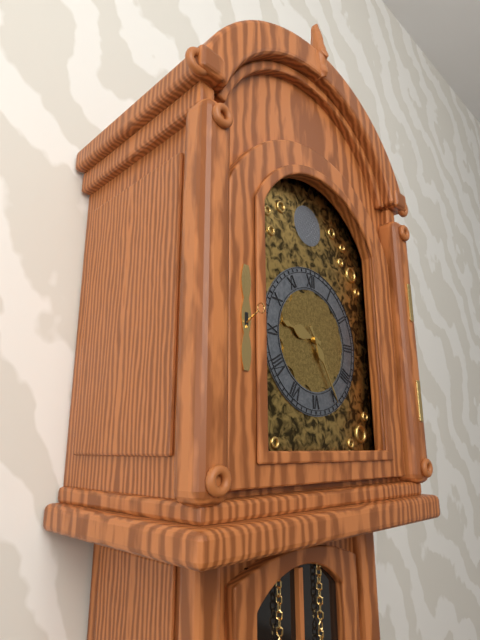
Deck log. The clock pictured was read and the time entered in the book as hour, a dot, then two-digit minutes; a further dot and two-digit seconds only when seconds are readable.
9.25
